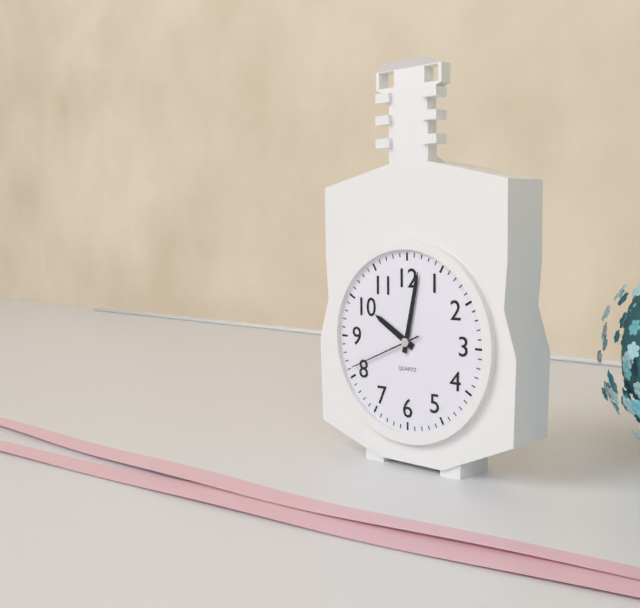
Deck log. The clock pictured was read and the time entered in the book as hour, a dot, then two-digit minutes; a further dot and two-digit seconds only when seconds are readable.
10.02.41
